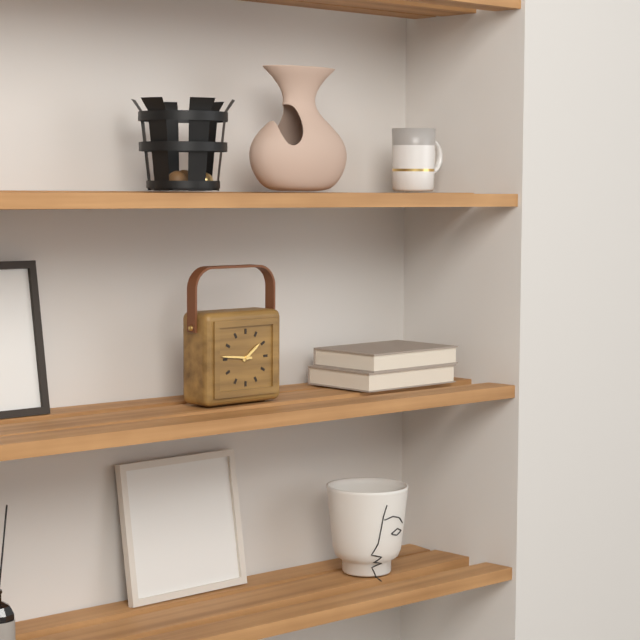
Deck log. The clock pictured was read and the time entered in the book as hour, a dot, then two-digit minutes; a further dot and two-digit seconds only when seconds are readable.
1.46
